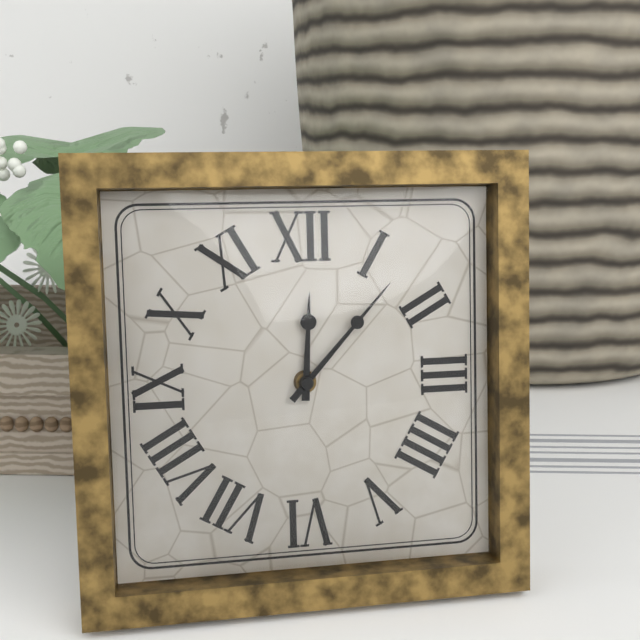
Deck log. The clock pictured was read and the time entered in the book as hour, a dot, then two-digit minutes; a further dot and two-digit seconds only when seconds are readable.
12.07
